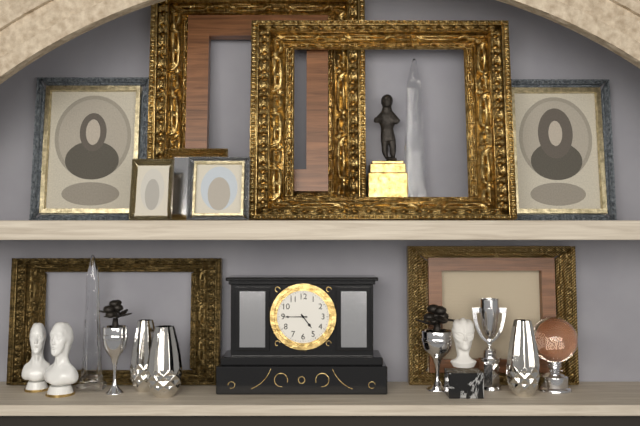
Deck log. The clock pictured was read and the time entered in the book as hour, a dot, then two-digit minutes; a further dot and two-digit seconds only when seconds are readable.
4.45
